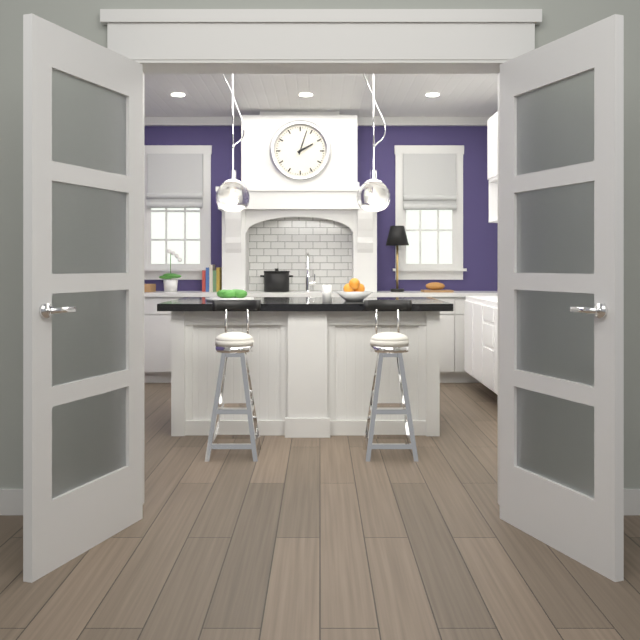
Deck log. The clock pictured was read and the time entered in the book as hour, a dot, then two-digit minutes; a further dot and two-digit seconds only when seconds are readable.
2.03
